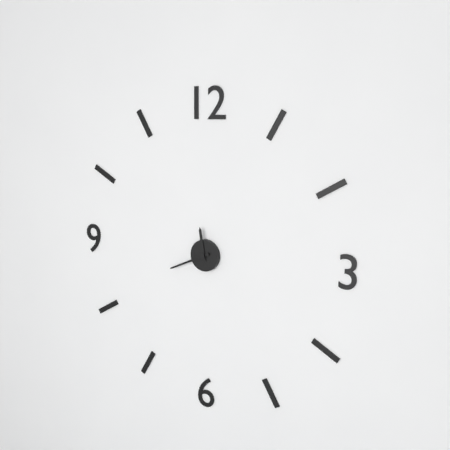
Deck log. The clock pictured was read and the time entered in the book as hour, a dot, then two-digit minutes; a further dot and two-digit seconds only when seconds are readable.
11.41
